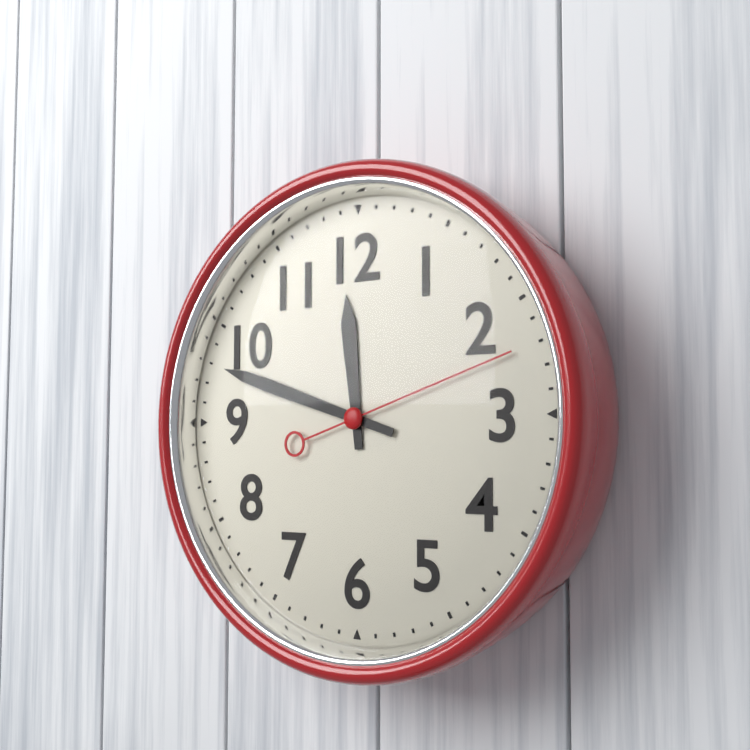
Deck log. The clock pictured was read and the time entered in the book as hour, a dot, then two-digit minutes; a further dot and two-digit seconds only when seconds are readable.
11.48.12
